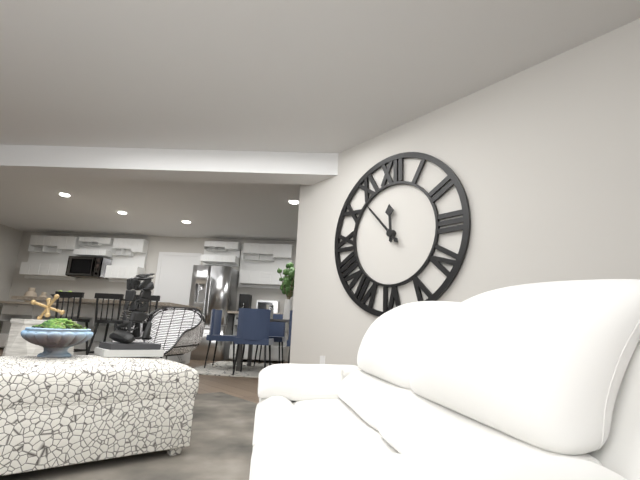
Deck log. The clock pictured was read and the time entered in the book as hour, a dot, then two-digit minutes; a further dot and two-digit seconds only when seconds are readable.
11.53
